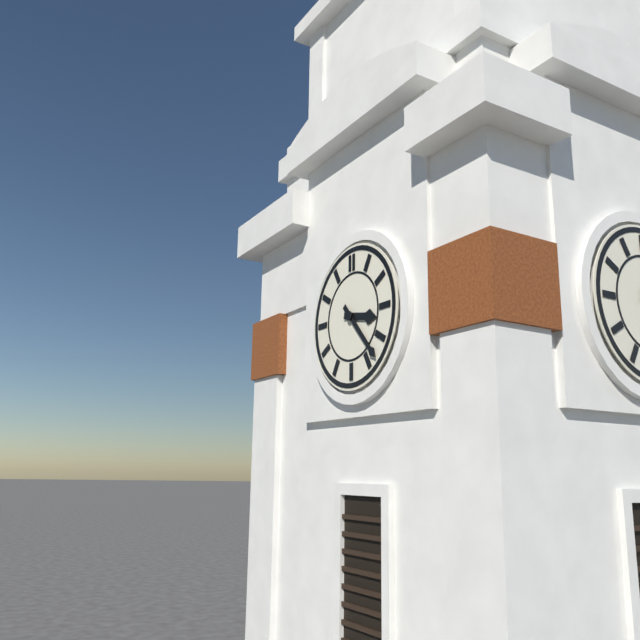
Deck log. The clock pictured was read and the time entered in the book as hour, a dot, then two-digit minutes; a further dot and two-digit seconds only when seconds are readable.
3.23
